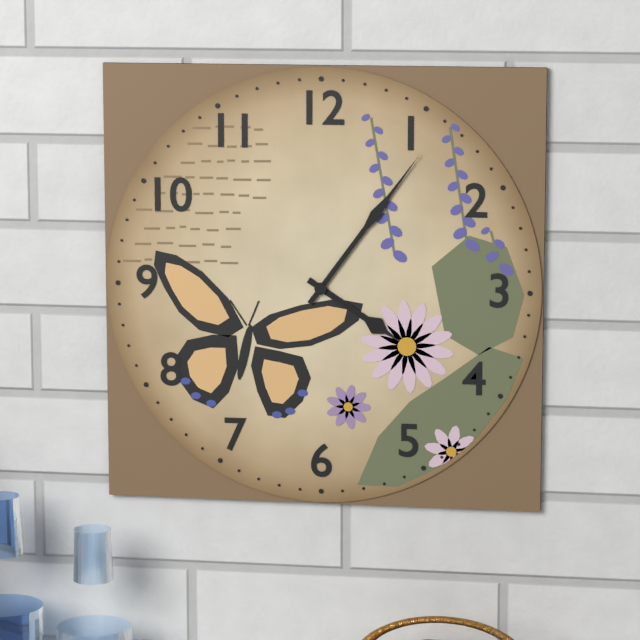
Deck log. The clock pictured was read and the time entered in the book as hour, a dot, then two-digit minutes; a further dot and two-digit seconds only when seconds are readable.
4.06
